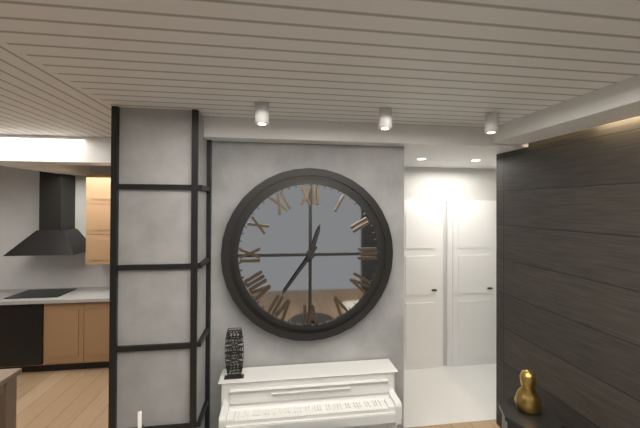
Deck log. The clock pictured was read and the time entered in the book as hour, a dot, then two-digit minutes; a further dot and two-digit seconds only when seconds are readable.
12.36
